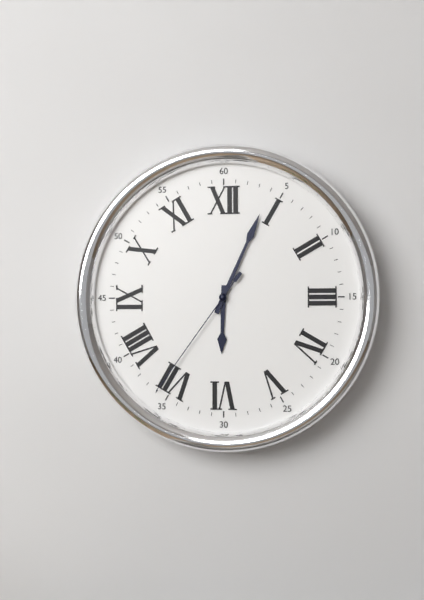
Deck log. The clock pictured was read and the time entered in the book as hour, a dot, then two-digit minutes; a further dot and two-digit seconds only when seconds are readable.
6.04.36
